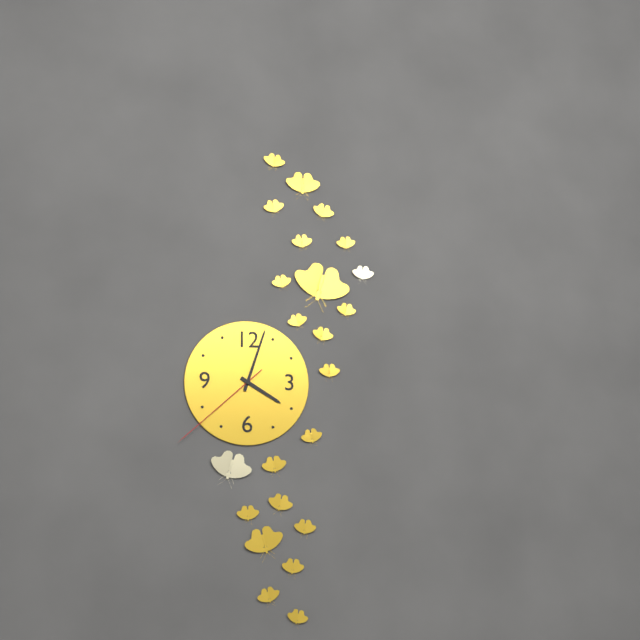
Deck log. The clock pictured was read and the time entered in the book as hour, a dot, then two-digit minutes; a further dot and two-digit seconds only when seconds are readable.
4.03.38
